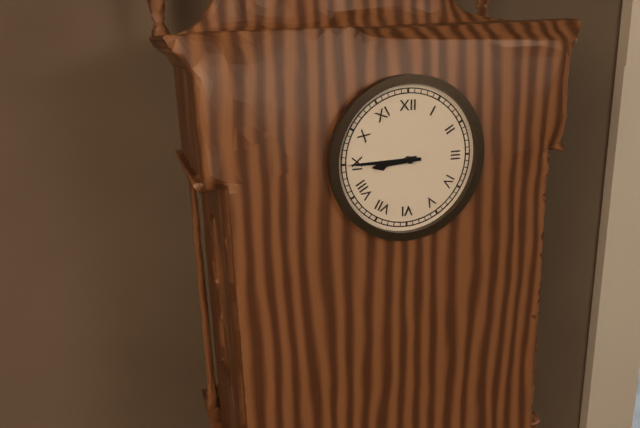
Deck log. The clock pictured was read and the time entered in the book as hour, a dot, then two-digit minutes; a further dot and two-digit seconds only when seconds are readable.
8.45
